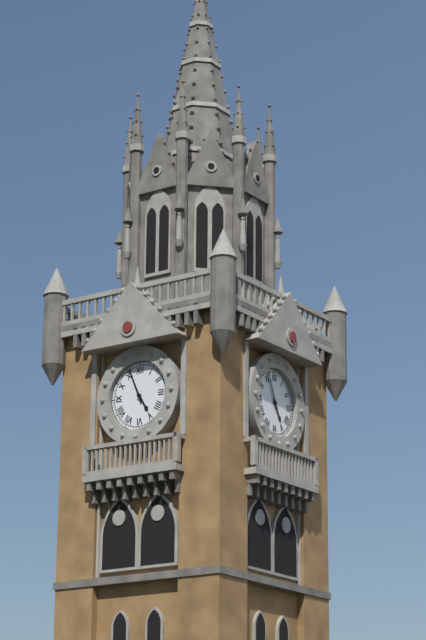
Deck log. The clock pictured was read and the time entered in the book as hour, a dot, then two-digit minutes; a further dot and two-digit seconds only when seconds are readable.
4.56
